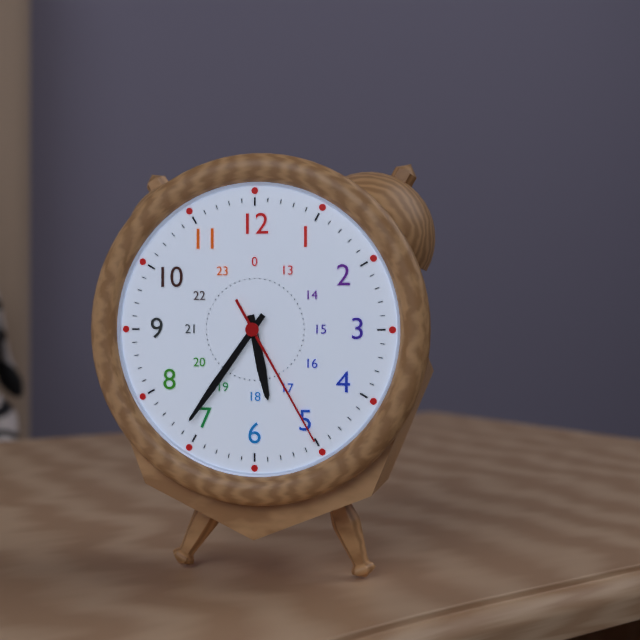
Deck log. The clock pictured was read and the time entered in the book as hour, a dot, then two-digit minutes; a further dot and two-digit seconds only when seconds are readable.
5.36.25
